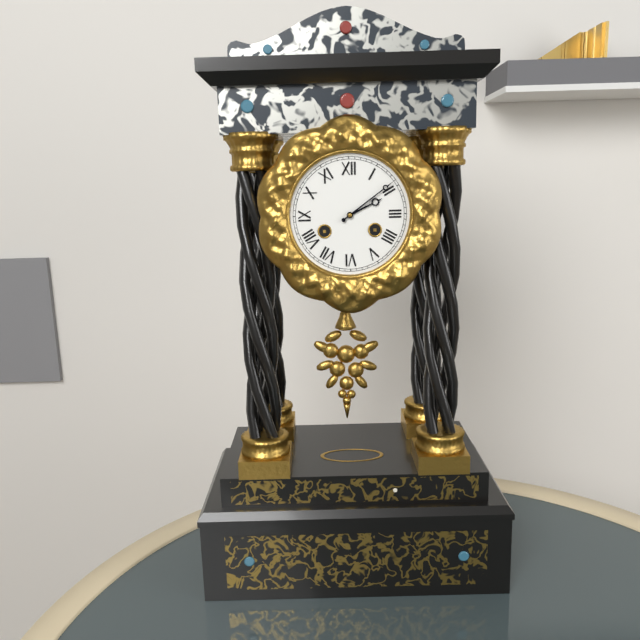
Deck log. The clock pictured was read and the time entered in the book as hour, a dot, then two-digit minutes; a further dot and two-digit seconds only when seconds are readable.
2.09
